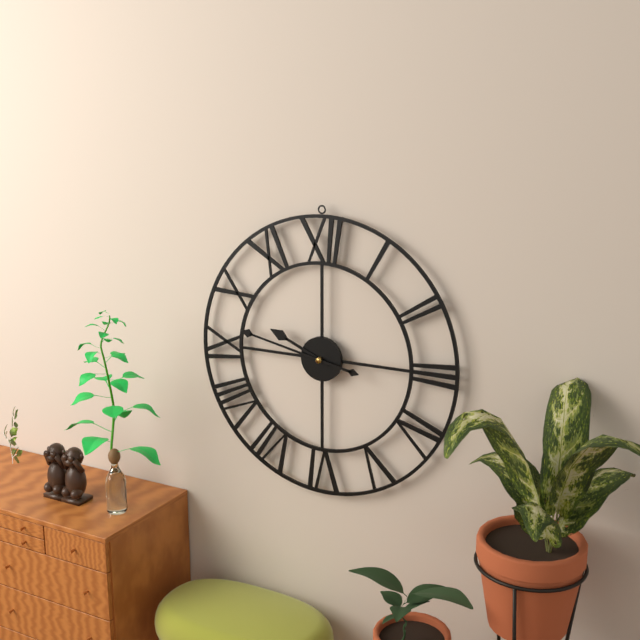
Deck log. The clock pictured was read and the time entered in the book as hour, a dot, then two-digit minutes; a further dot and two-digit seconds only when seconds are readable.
9.47
